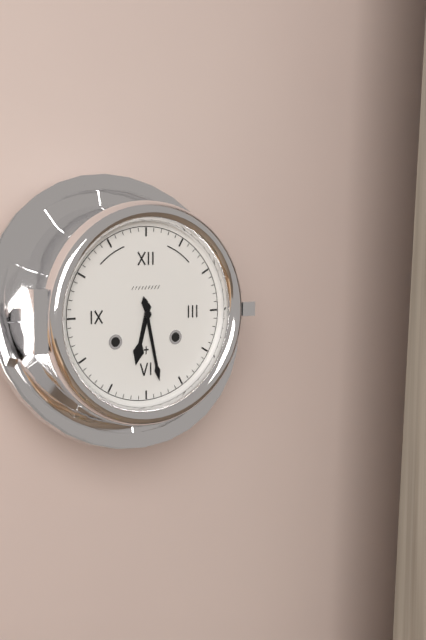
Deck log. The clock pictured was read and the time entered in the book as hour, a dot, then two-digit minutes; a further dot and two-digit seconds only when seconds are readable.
6.28
